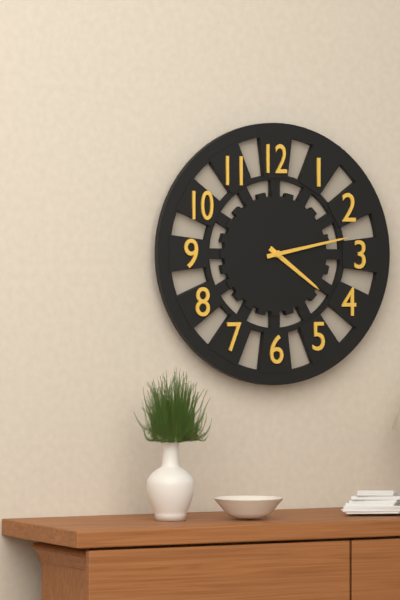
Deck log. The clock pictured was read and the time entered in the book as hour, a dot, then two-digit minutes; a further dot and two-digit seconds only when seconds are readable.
4.13
